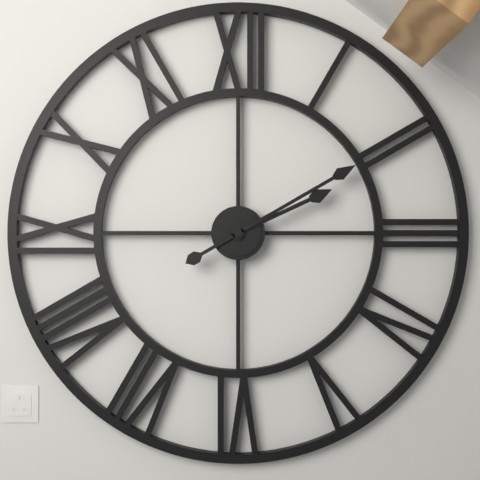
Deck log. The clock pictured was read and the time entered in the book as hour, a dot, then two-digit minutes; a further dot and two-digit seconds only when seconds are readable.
2.10
